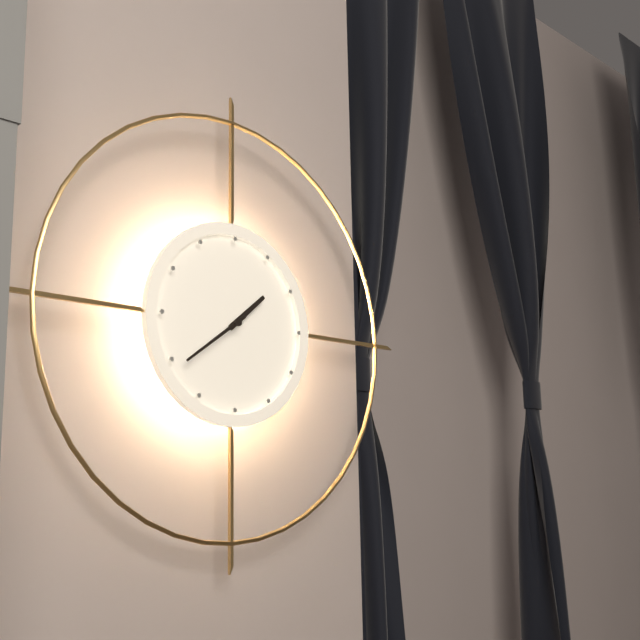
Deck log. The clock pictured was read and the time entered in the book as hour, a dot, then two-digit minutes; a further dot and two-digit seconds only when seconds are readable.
1.39
